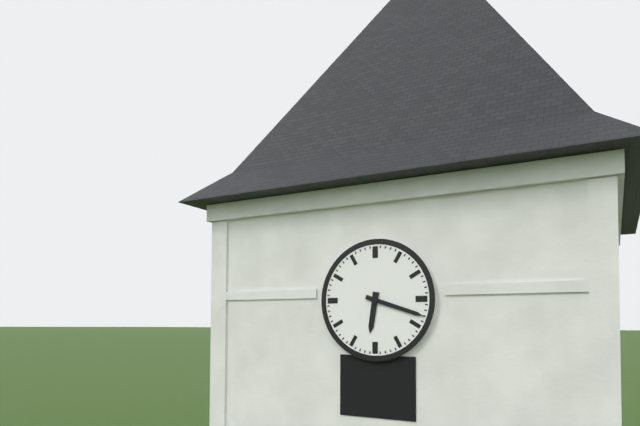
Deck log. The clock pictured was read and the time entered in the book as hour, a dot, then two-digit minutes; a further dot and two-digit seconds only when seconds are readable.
6.18
